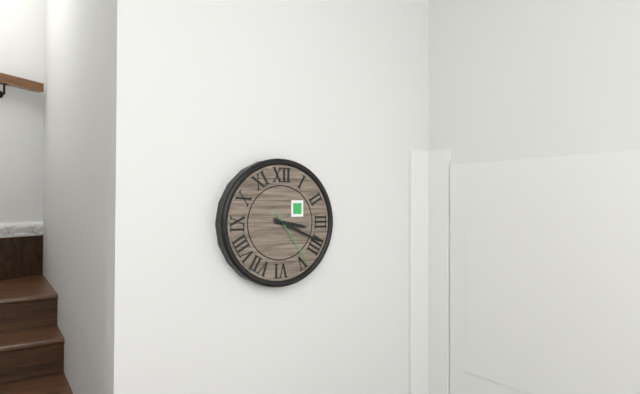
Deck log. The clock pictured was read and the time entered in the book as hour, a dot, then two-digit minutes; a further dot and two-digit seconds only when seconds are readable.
3.19.24
